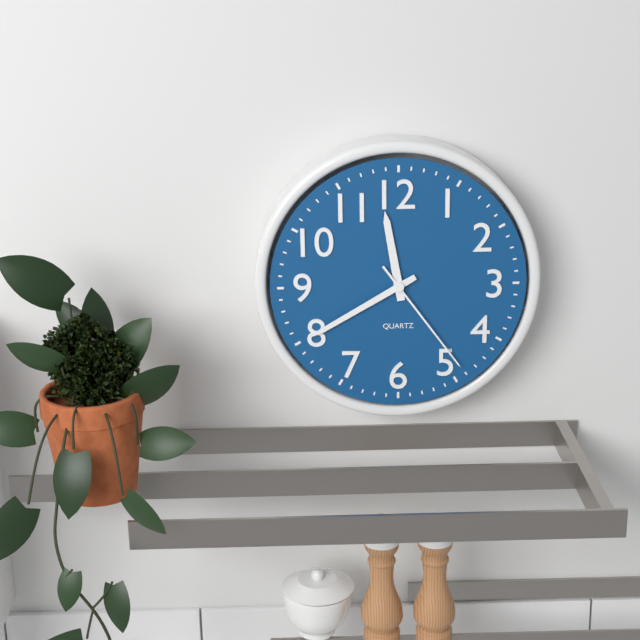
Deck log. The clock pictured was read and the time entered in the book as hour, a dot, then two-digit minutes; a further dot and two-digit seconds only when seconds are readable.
11.40.24
